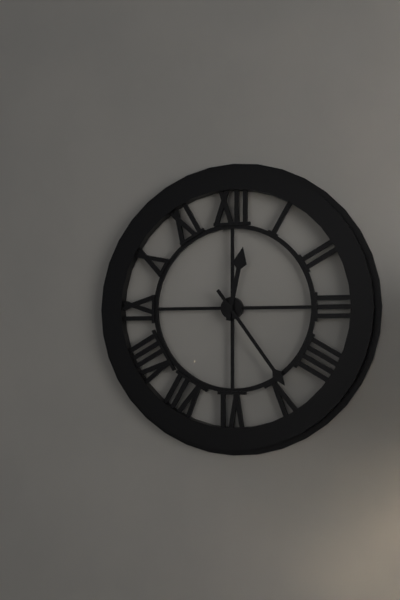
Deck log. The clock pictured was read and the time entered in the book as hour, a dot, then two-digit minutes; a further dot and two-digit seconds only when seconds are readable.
12.24
